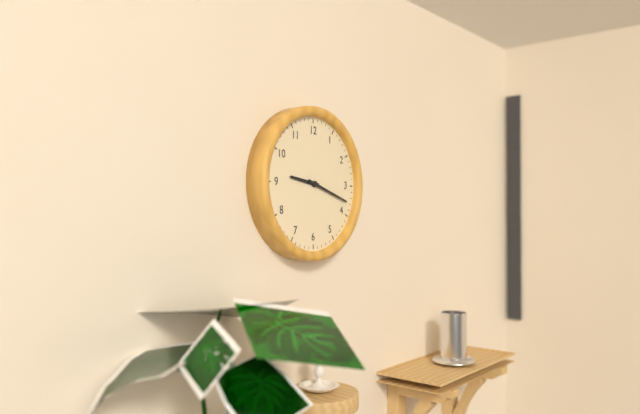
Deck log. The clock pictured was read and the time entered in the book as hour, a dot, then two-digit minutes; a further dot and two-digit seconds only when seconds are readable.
9.18
